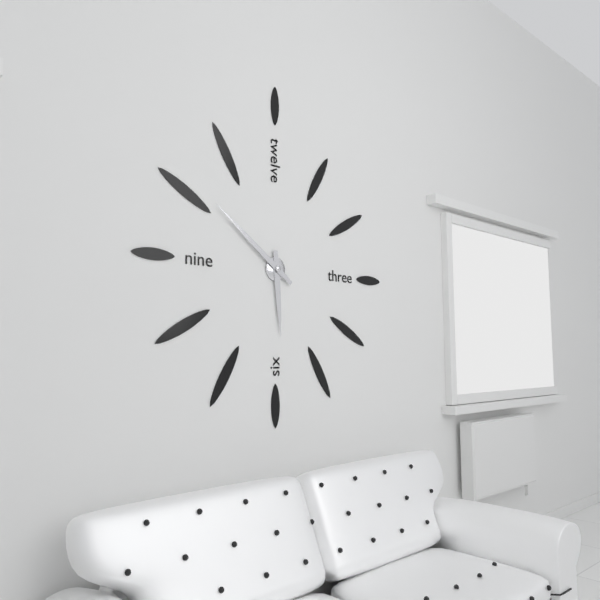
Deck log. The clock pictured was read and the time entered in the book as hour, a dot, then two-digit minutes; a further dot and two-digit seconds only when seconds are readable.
5.51
